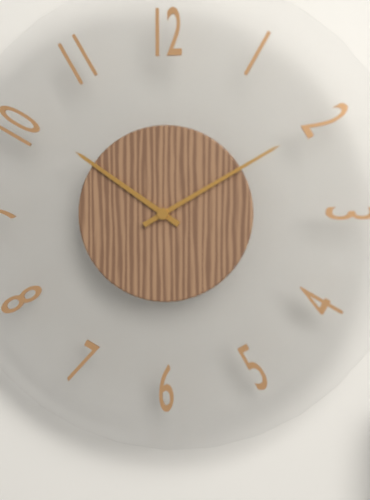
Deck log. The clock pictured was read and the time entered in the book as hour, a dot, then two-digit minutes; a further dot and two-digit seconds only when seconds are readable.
10.10
